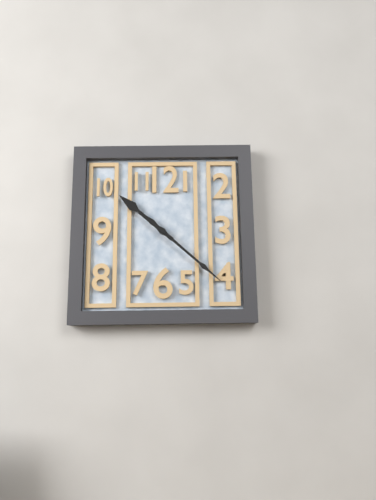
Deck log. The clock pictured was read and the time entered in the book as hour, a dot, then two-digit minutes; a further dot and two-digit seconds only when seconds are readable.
10.22
